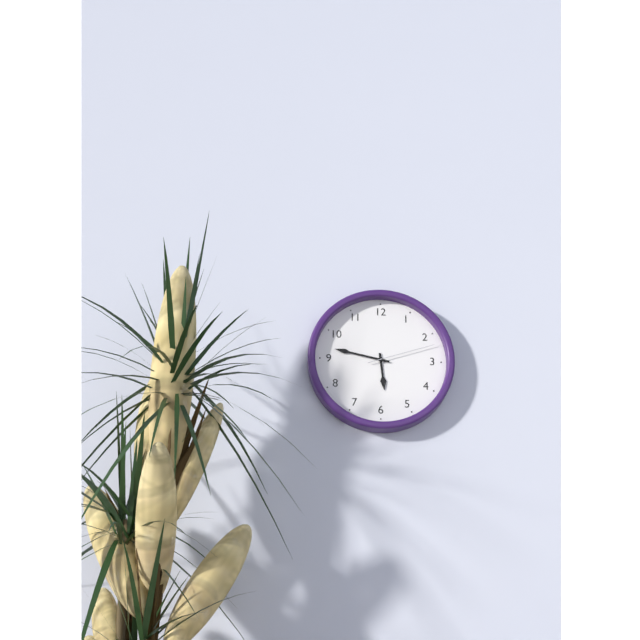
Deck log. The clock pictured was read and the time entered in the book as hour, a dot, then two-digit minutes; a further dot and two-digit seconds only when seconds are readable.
5.47.12
